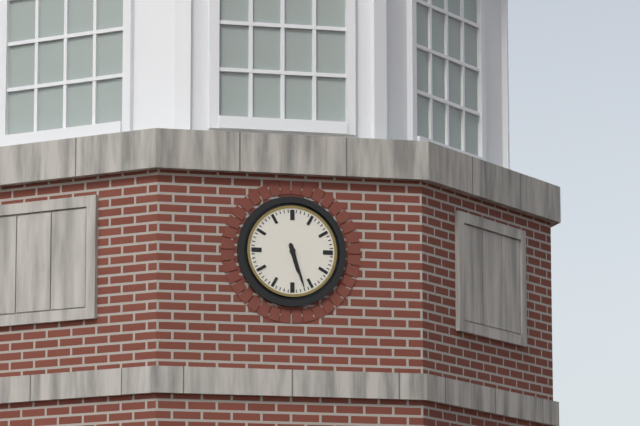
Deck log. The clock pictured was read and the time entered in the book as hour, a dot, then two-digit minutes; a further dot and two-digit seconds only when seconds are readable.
5.27
